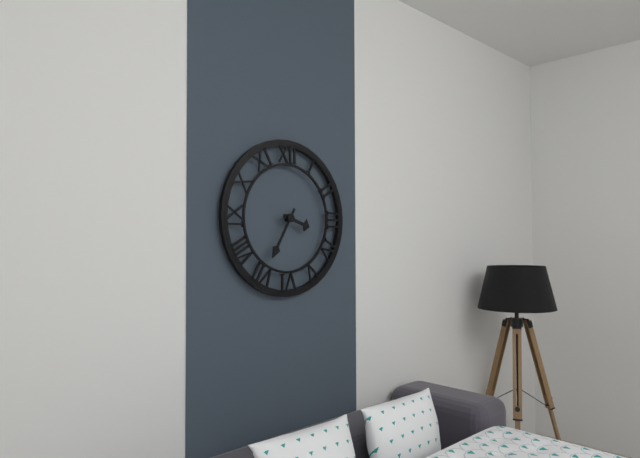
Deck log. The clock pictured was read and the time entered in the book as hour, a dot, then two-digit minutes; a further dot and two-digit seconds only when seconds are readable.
3.35
